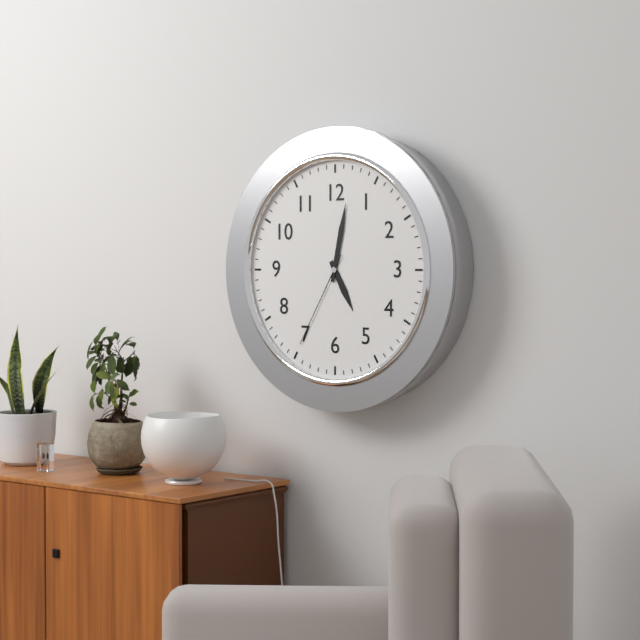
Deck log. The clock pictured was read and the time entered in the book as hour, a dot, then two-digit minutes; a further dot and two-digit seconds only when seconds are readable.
5.02.35
